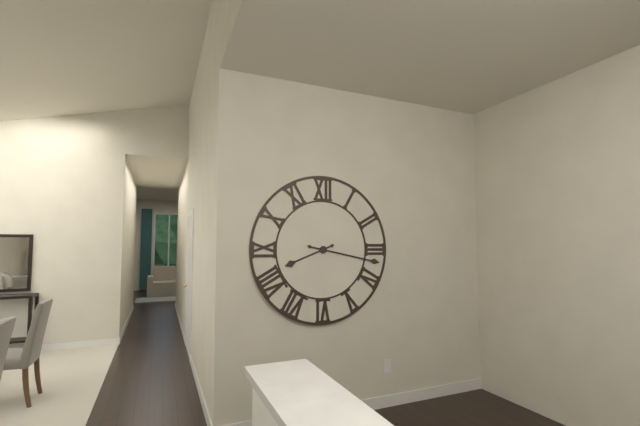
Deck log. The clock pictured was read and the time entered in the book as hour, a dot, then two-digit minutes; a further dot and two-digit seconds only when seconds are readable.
8.17
